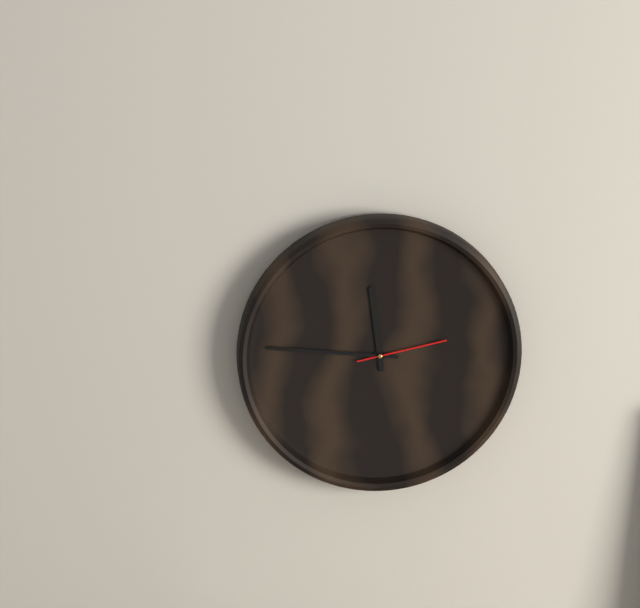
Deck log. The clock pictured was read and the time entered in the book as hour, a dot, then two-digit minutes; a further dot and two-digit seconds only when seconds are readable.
11.46.13
